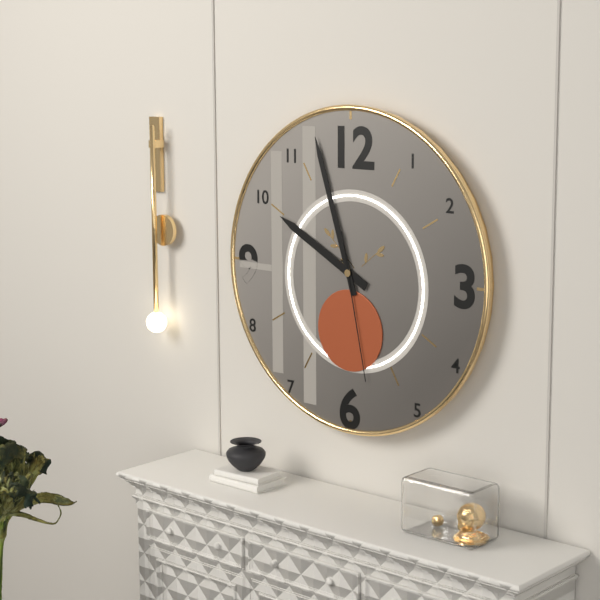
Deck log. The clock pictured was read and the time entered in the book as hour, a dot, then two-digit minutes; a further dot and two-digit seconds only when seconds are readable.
9.57.28
